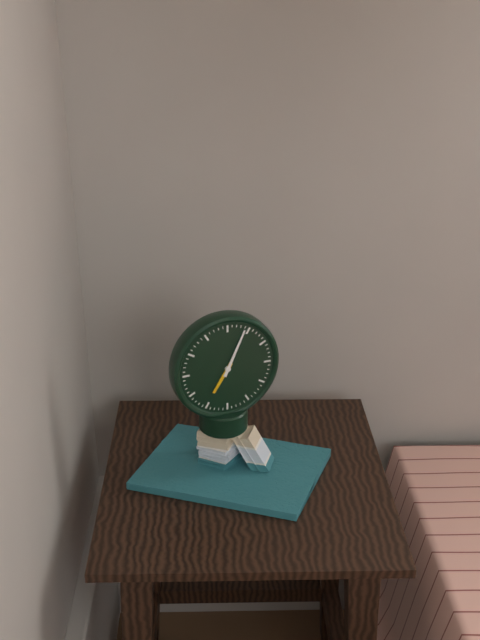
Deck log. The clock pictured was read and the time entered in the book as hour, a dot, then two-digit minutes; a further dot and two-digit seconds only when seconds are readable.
7.04
